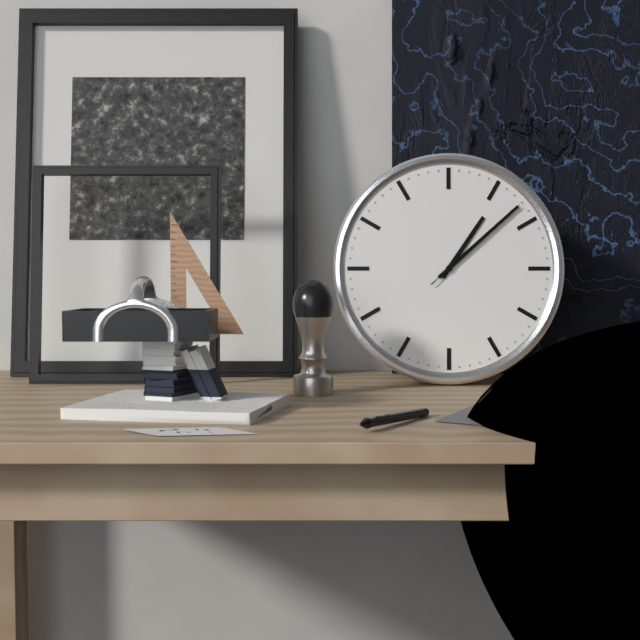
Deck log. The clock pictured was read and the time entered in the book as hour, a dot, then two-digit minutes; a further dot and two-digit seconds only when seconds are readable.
1.08.08
